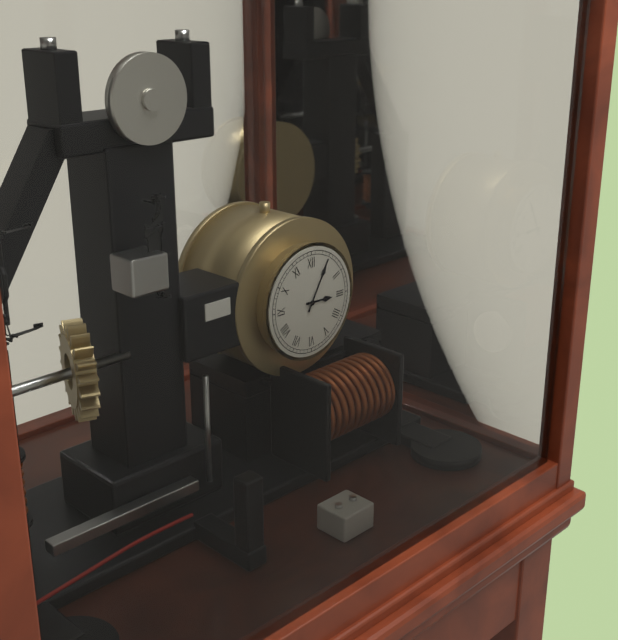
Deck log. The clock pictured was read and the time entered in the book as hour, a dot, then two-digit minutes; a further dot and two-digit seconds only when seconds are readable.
3.05
